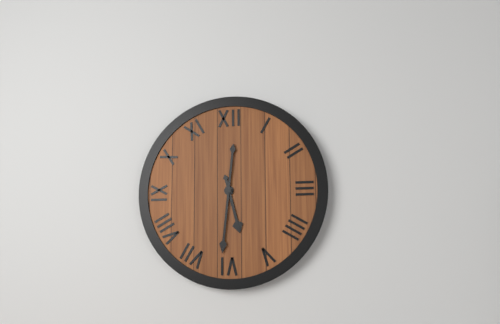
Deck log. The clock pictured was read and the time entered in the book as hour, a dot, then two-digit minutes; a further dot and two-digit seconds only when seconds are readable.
5.31
